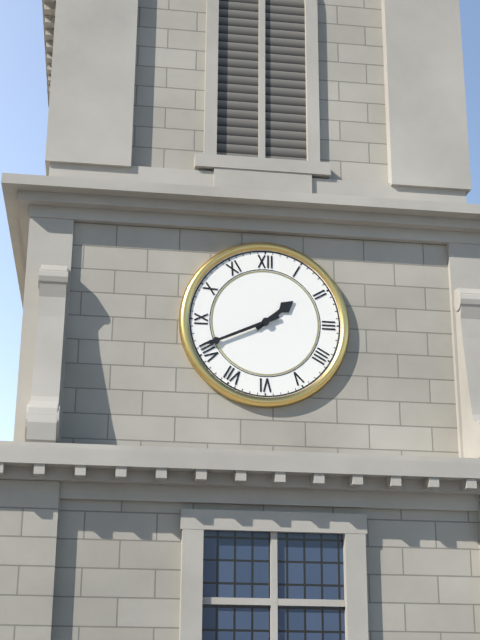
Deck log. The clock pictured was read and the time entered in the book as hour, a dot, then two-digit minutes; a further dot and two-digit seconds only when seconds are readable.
1.41
